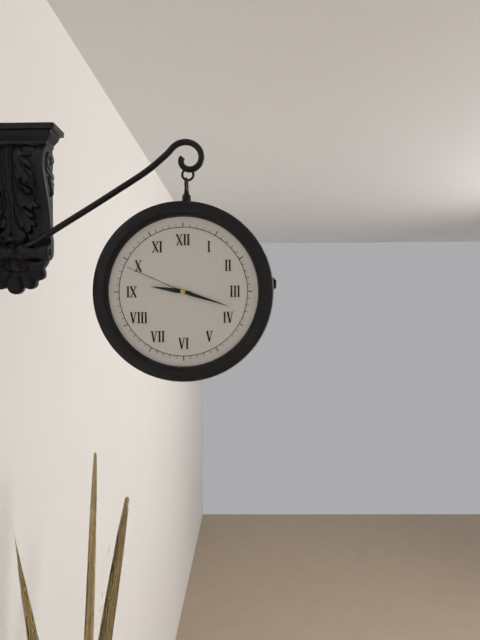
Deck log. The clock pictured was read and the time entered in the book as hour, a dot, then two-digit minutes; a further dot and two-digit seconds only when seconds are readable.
9.18.49
